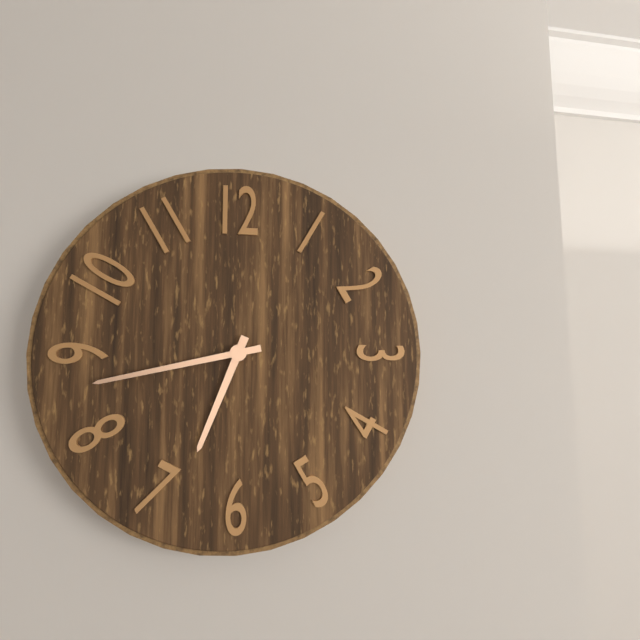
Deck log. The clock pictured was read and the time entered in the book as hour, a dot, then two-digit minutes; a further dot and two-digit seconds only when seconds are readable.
6.43
